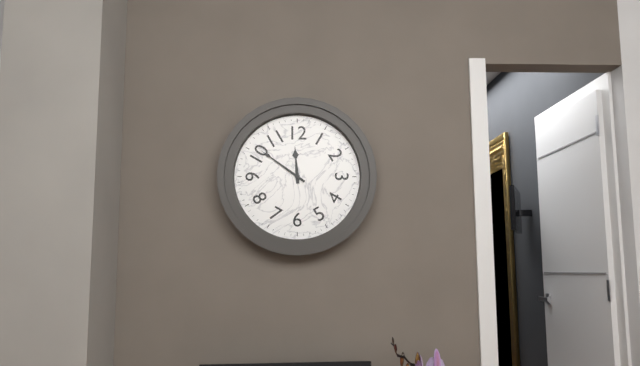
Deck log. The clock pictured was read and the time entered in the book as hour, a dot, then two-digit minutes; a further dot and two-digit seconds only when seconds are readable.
11.51
